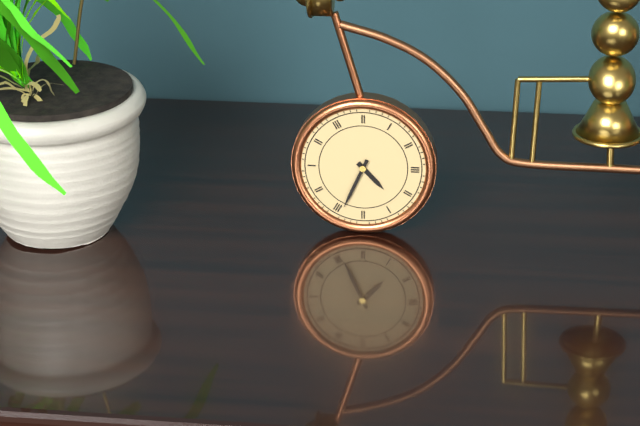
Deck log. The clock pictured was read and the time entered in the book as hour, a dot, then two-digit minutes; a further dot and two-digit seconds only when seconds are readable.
4.34
